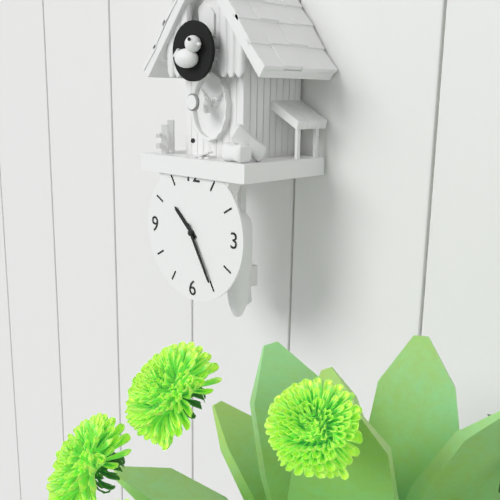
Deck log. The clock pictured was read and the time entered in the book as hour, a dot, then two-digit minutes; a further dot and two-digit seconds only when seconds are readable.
10.25
